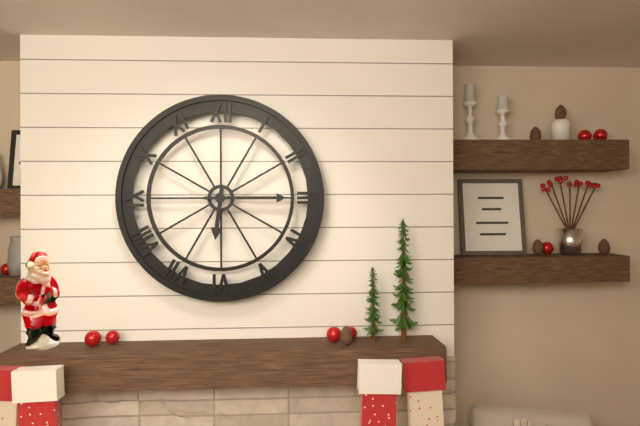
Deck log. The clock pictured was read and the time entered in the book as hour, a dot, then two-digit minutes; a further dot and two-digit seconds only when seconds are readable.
6.15
